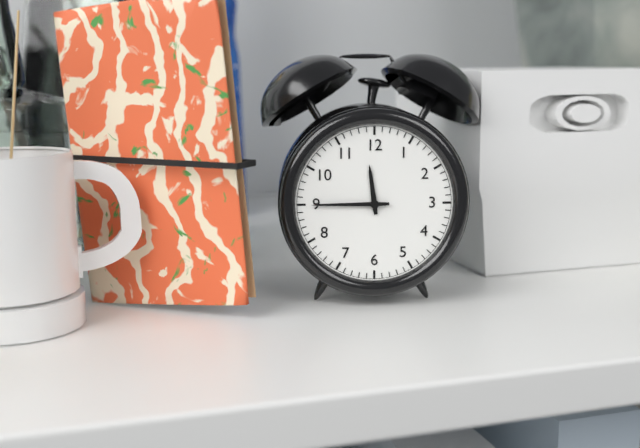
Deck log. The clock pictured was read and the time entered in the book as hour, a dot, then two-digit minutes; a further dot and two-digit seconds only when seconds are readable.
11.45
